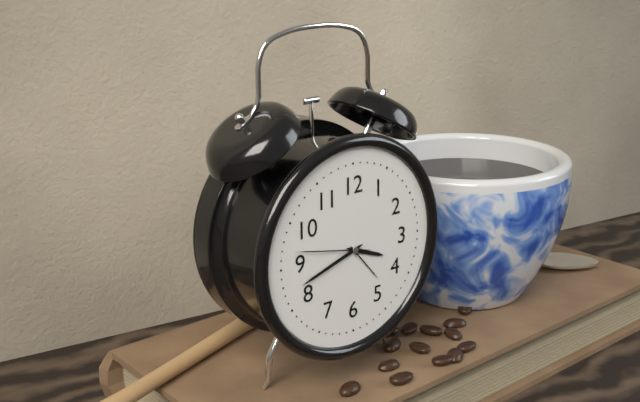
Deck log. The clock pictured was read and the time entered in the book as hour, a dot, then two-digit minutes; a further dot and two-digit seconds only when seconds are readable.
3.42.47
